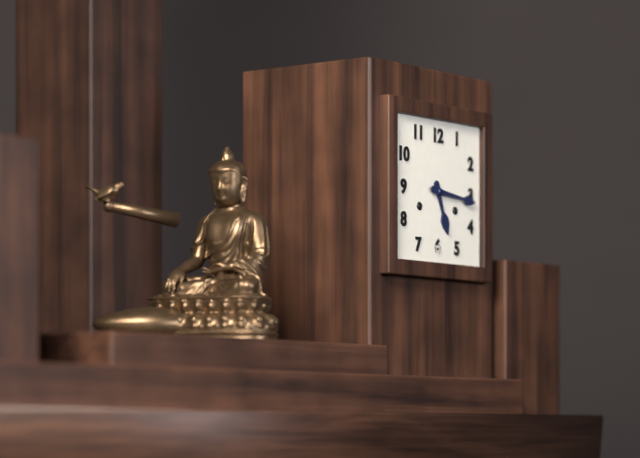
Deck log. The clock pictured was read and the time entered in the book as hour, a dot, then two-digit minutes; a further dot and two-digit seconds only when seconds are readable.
5.16
